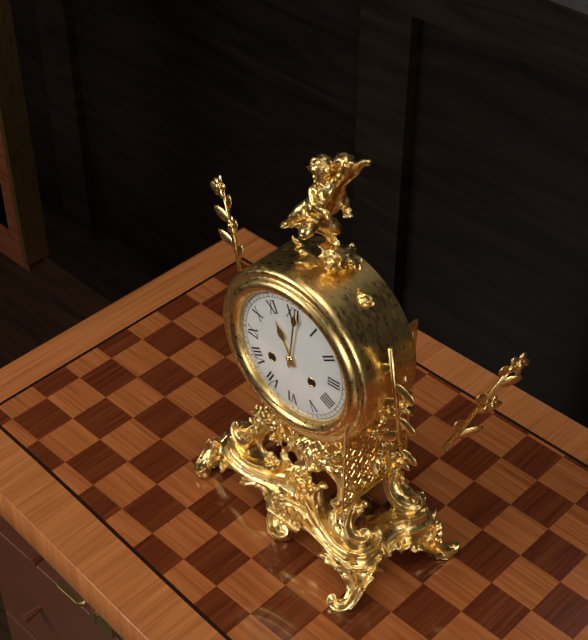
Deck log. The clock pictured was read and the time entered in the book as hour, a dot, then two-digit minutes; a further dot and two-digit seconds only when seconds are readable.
11.01
